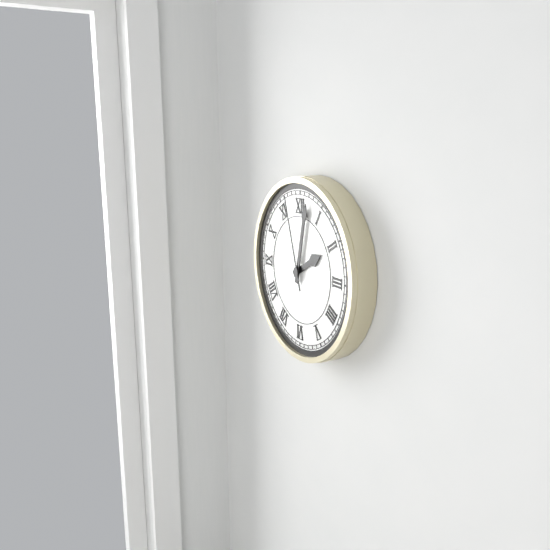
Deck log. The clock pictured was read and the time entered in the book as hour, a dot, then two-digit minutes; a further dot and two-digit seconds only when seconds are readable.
2.02.57
